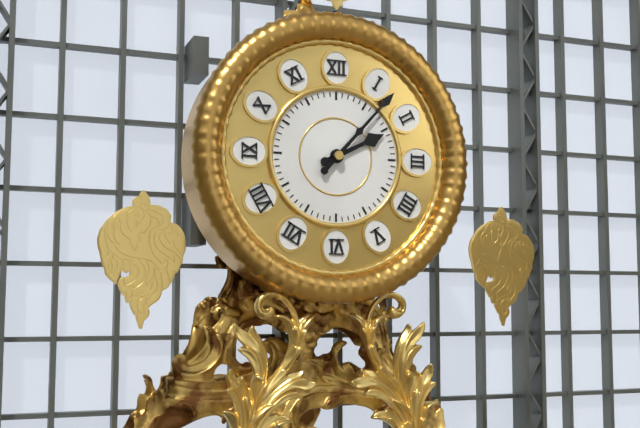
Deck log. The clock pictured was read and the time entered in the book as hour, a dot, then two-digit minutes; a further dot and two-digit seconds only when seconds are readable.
2.07
